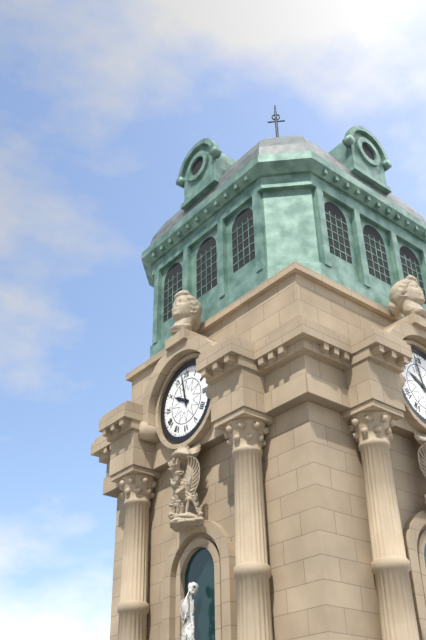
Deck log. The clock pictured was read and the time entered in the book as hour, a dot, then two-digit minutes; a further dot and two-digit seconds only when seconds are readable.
9.58
